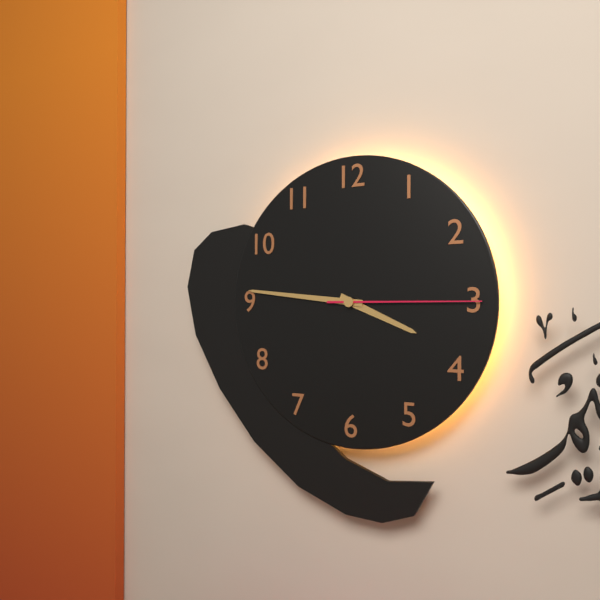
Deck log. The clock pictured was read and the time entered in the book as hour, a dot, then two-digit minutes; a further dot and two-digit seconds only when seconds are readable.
3.46.15
